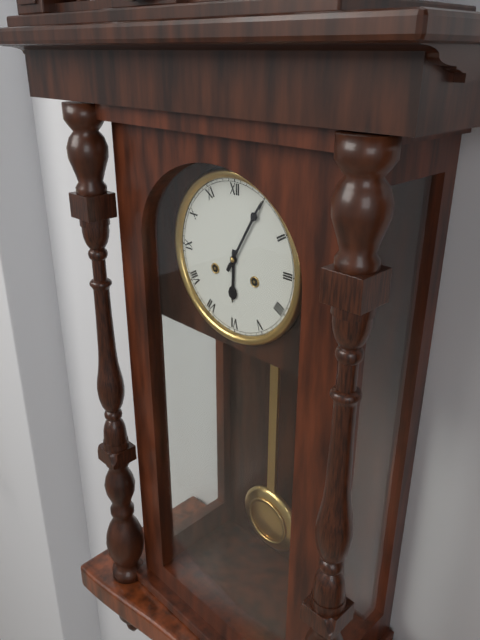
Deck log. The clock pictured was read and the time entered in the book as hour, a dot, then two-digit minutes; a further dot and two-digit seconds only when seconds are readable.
6.05
